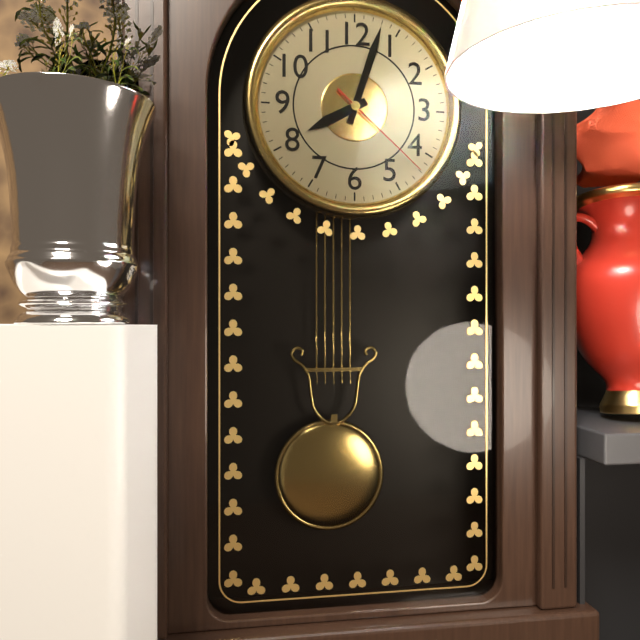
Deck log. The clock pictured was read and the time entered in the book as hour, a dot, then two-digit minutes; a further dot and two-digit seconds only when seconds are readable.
8.03.22
